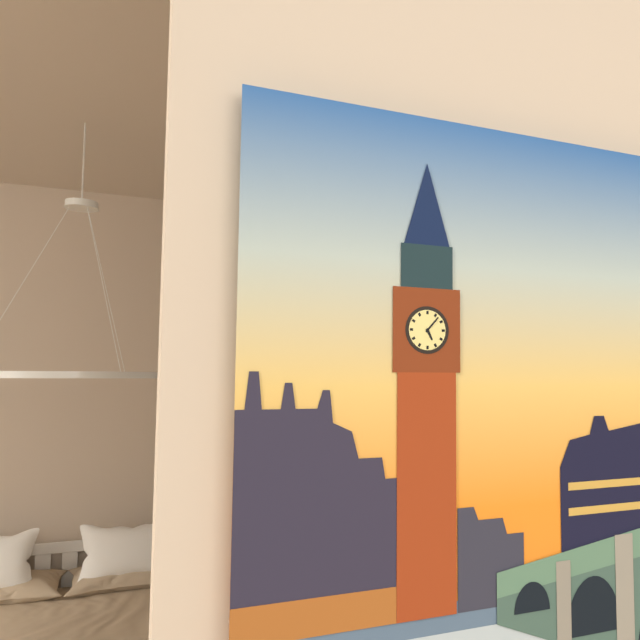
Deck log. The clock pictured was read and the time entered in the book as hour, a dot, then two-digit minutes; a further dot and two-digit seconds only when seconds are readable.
5.07
